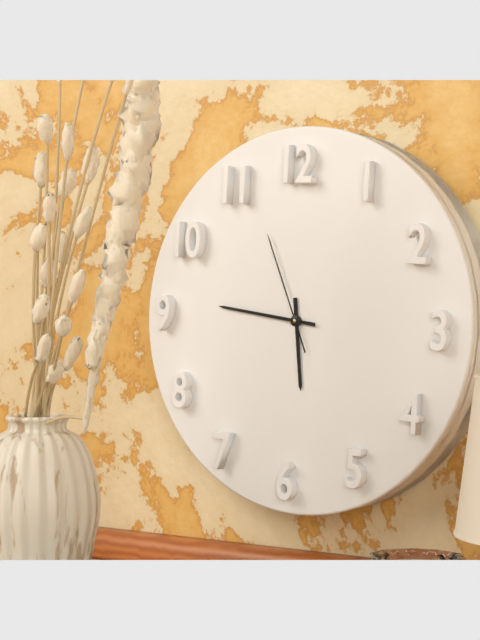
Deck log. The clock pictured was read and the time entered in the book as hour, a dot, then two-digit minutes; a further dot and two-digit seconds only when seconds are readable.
5.46.56
